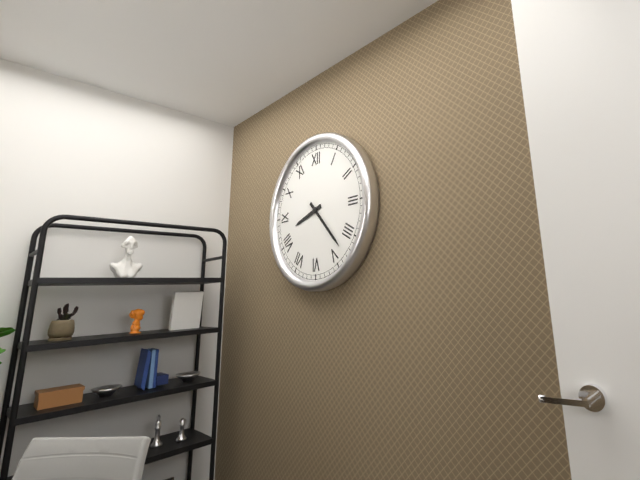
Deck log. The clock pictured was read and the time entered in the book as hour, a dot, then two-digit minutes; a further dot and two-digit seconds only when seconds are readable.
8.23
